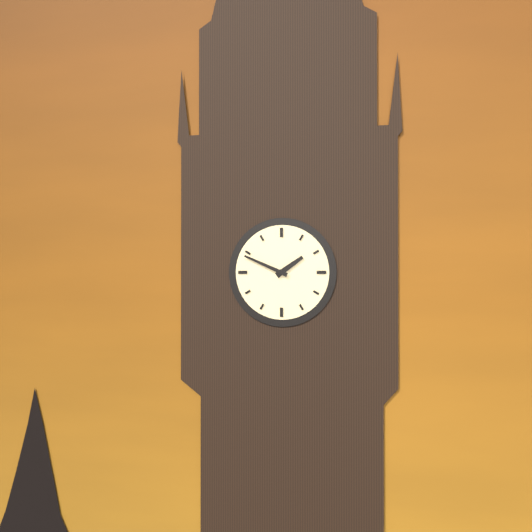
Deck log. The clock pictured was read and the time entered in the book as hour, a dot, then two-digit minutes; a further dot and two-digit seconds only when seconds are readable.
1.49
